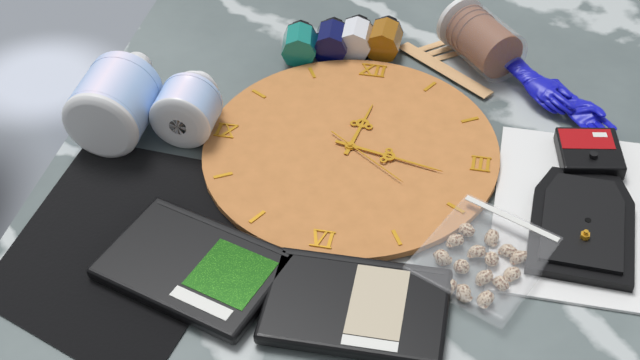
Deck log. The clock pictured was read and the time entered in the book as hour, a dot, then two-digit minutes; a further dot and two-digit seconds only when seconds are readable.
12.17.21
